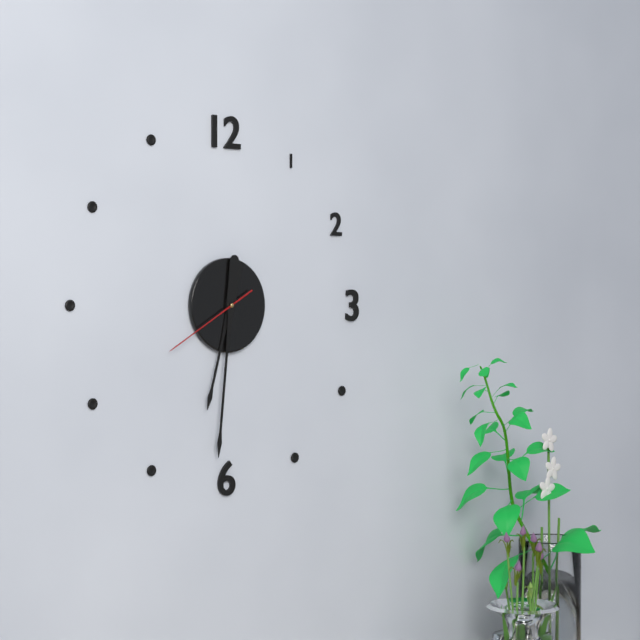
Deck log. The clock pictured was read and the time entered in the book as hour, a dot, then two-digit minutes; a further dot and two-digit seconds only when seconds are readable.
6.31.40
